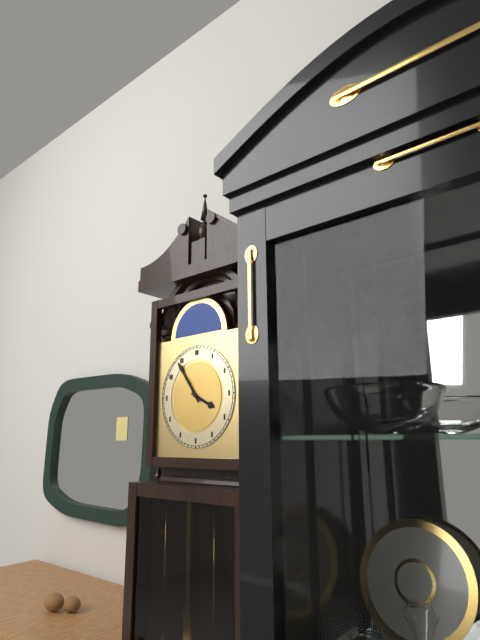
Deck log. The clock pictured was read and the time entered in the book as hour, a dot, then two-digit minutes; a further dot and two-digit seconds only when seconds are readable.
3.54
